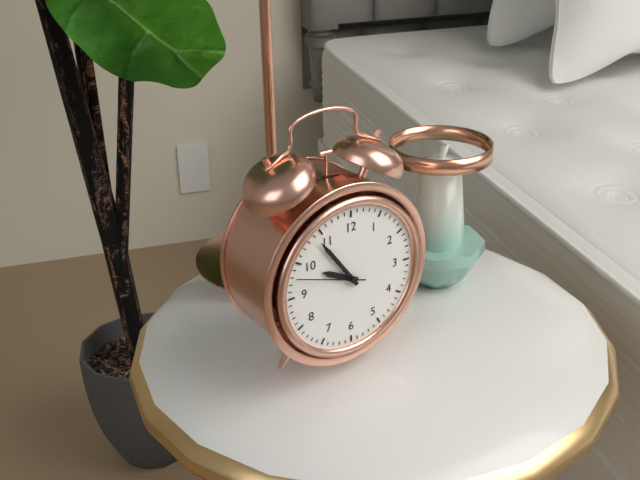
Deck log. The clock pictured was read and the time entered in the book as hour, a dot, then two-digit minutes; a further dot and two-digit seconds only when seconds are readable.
9.54.48
